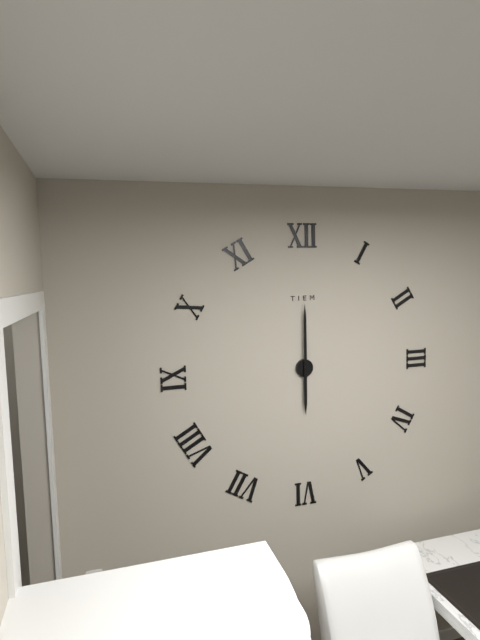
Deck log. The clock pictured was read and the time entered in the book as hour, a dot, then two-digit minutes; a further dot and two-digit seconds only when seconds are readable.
6.00
